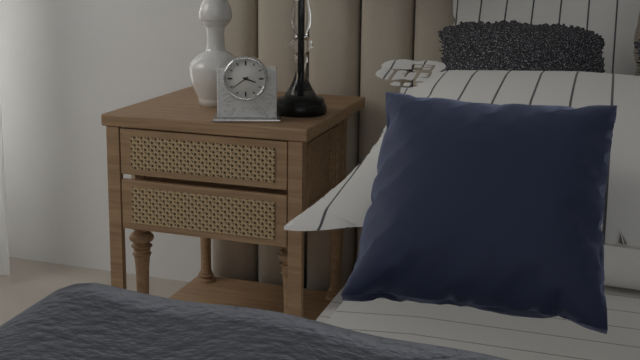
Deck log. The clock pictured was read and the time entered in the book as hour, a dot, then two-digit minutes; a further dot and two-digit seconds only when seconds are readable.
3.39
